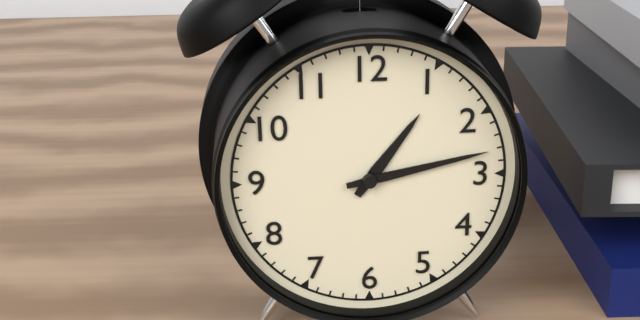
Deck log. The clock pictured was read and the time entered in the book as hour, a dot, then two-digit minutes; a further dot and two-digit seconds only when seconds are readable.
1.13
